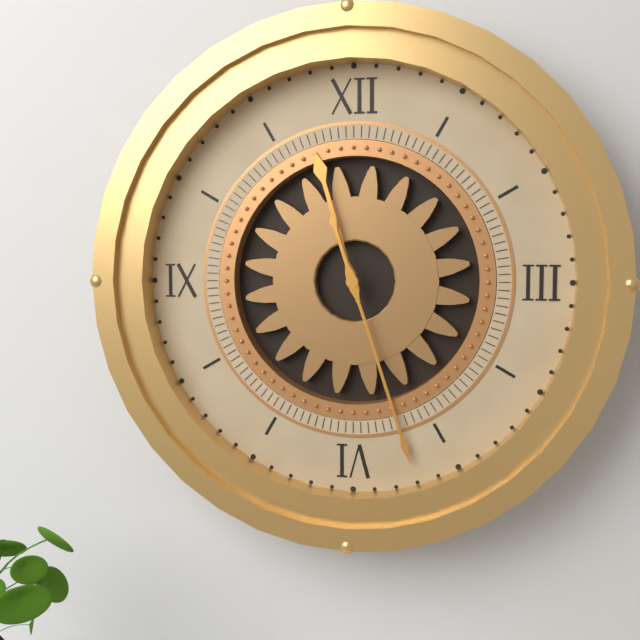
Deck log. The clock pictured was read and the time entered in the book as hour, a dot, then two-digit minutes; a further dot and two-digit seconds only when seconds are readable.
11.27
